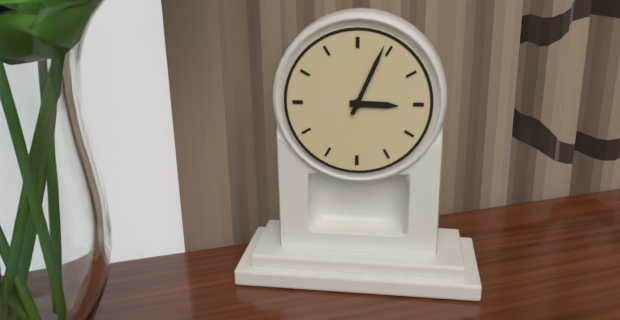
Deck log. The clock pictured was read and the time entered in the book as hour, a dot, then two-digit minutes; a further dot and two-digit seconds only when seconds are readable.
3.04
